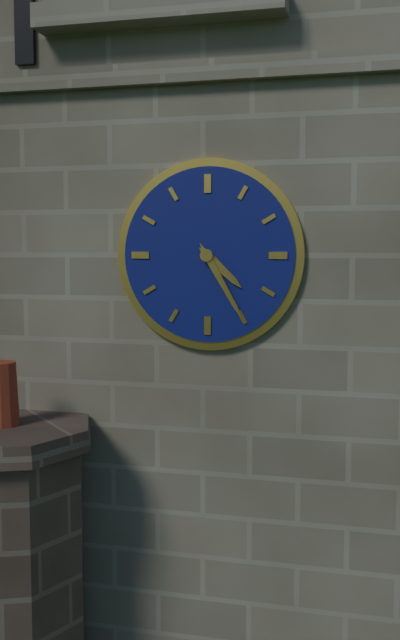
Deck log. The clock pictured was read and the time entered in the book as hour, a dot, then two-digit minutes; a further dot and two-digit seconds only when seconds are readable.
4.25
